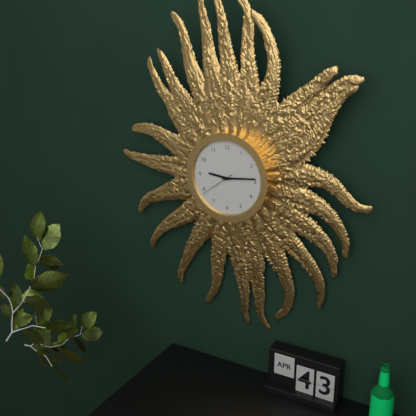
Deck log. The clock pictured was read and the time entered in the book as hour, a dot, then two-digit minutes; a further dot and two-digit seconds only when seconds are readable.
9.14
